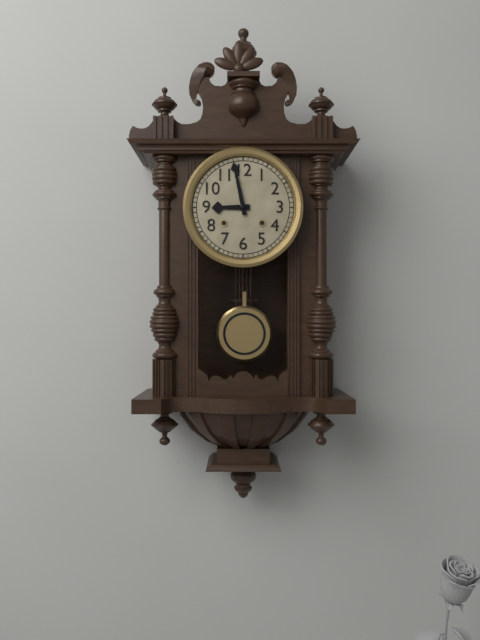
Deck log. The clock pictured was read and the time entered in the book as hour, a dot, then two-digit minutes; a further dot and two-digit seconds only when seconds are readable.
8.58
